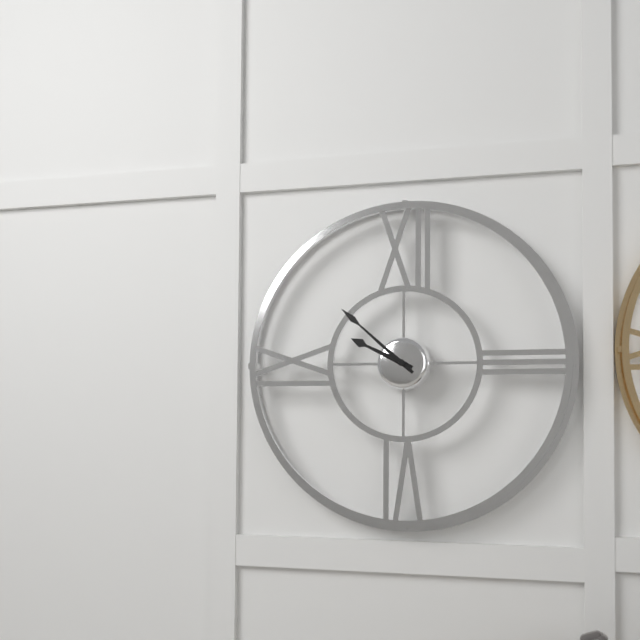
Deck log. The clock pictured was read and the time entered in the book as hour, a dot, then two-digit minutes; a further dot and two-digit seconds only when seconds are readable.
9.52
